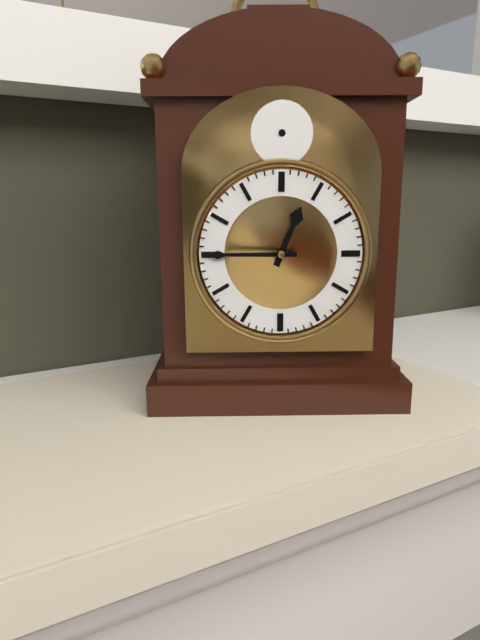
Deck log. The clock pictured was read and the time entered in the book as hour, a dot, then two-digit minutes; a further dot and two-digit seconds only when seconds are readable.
12.45
